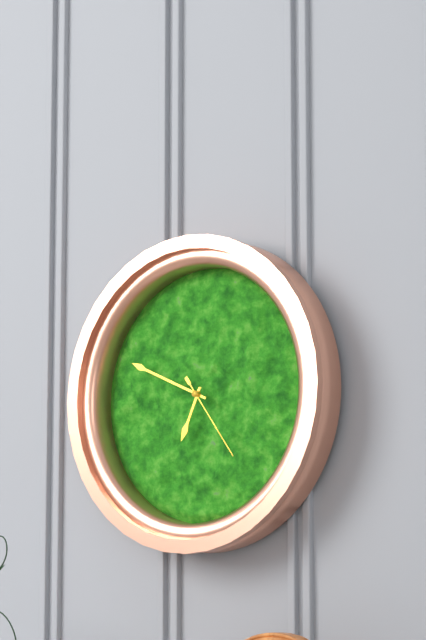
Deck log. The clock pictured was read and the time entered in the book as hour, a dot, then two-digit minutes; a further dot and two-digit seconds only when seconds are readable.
6.49.24
